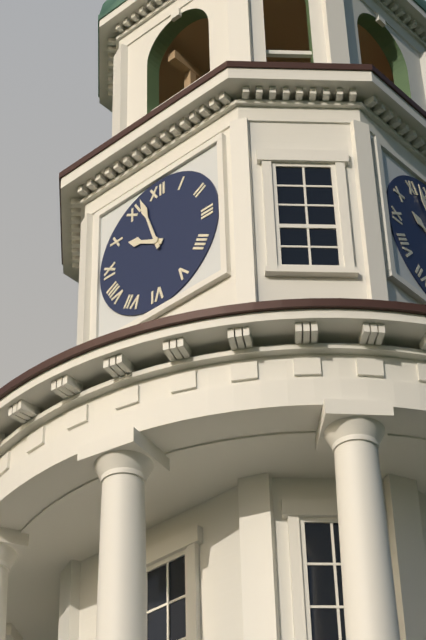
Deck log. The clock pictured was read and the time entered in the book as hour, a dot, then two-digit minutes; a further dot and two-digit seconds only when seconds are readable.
9.57
